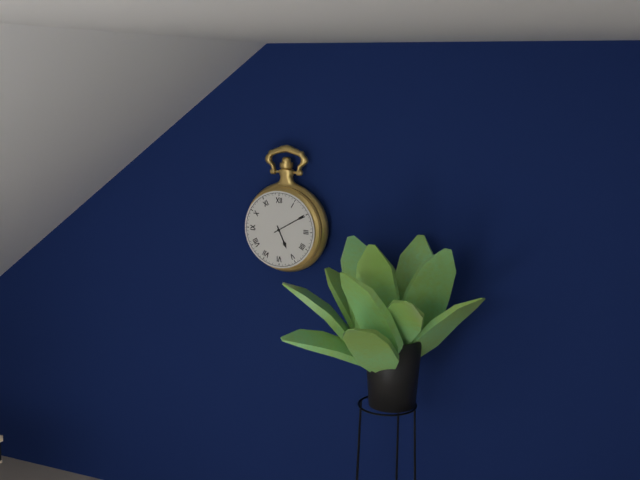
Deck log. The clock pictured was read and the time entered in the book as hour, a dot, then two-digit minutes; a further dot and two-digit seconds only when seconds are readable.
5.10
